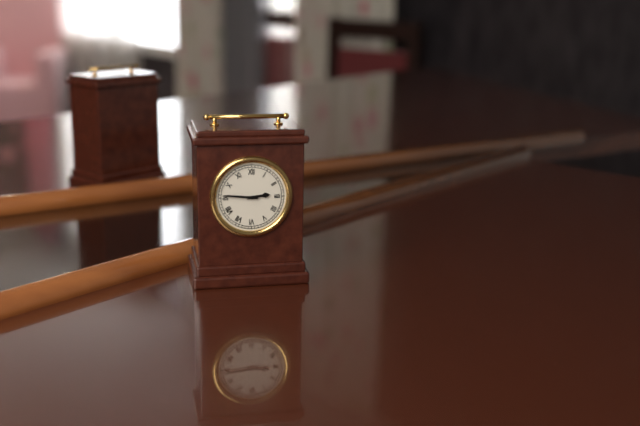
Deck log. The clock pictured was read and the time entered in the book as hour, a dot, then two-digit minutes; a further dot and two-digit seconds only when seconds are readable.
2.46
